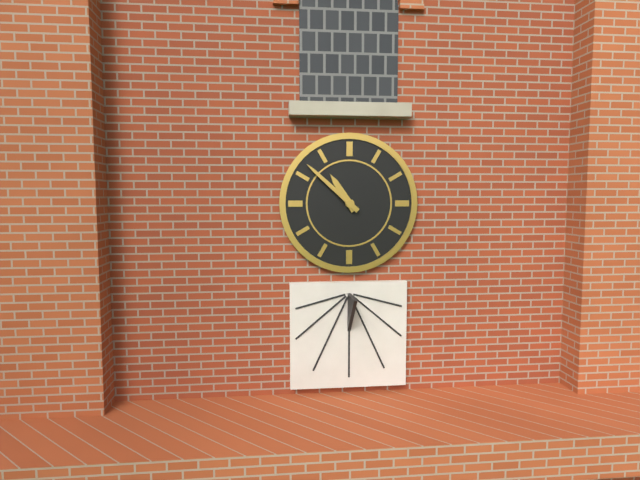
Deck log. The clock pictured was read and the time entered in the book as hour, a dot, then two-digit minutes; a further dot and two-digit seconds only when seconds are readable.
10.52
